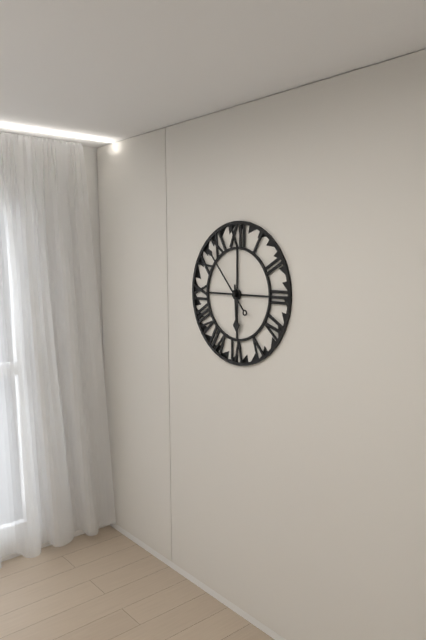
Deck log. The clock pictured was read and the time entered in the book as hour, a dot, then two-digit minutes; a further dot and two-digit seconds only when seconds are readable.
5.53
